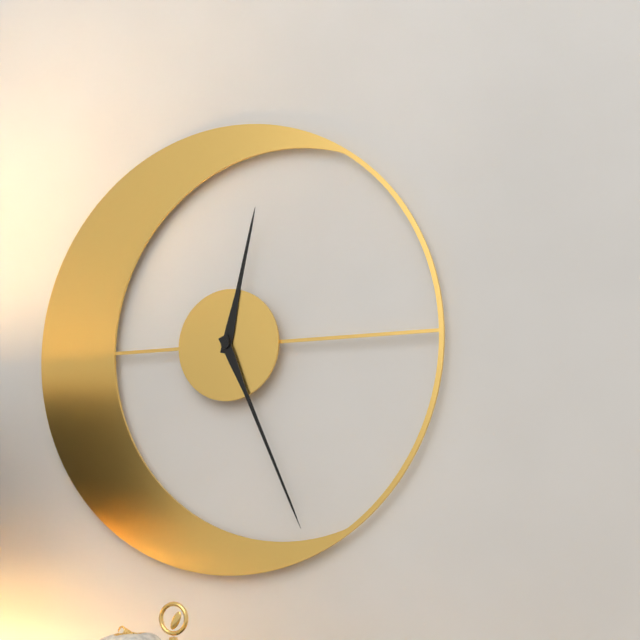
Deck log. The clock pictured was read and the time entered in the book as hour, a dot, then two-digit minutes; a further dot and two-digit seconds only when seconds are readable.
12.26
